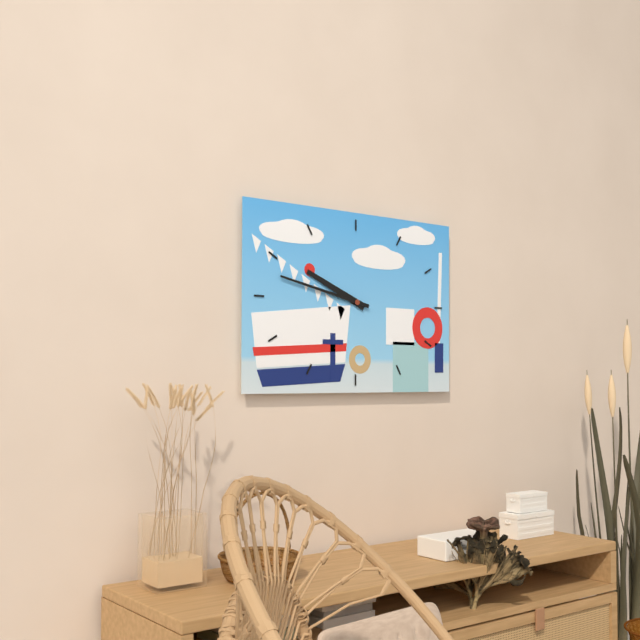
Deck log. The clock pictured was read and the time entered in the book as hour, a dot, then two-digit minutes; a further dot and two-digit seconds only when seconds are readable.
9.47
